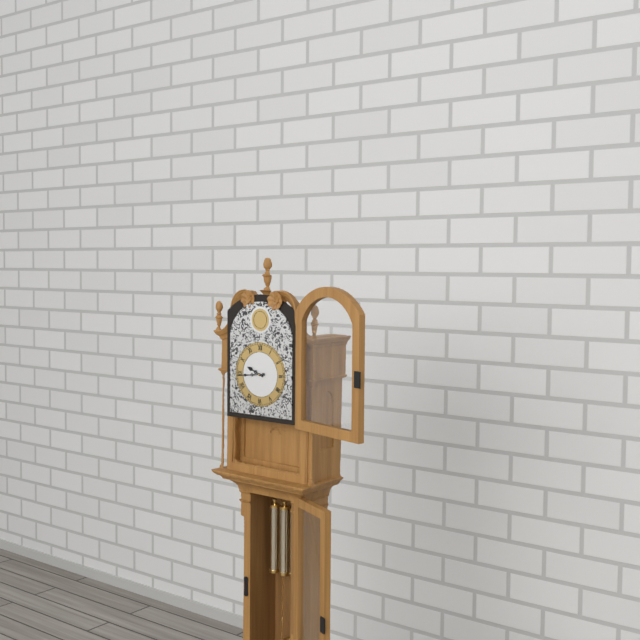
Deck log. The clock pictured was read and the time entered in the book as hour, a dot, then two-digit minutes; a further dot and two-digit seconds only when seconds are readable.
9.44
